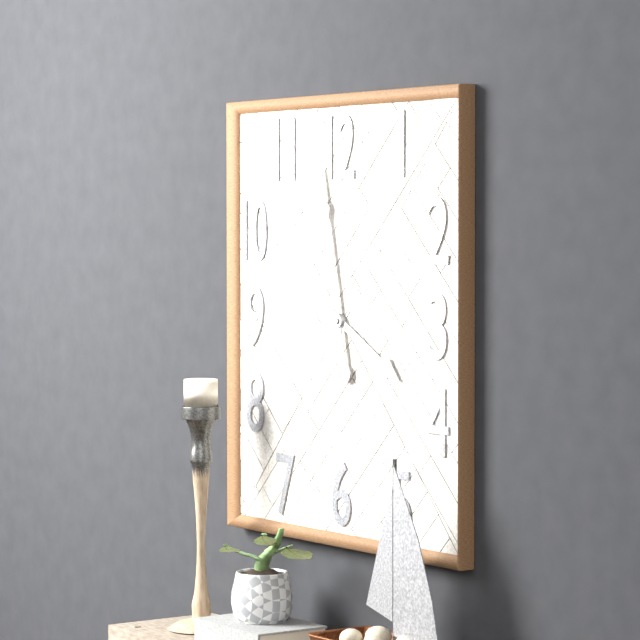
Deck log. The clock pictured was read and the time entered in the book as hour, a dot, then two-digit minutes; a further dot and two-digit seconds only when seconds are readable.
3.58
